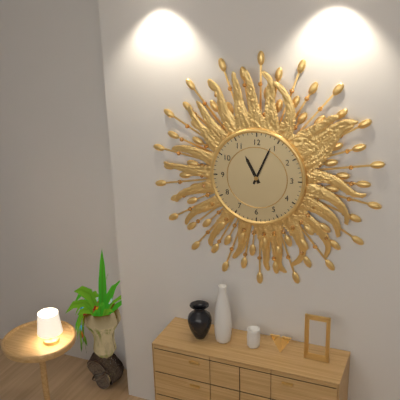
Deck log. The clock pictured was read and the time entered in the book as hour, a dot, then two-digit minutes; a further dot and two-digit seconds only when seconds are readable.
11.04
